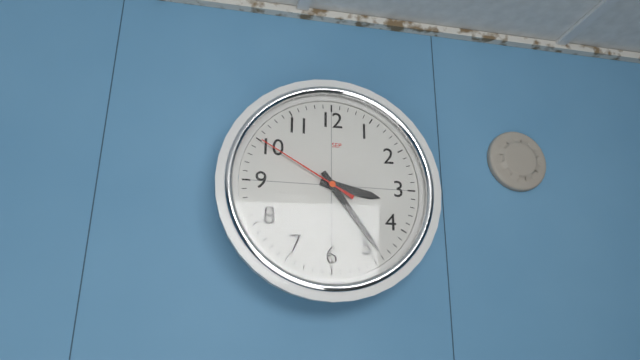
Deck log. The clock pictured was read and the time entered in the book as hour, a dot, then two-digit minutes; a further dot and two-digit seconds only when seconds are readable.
3.24.50
